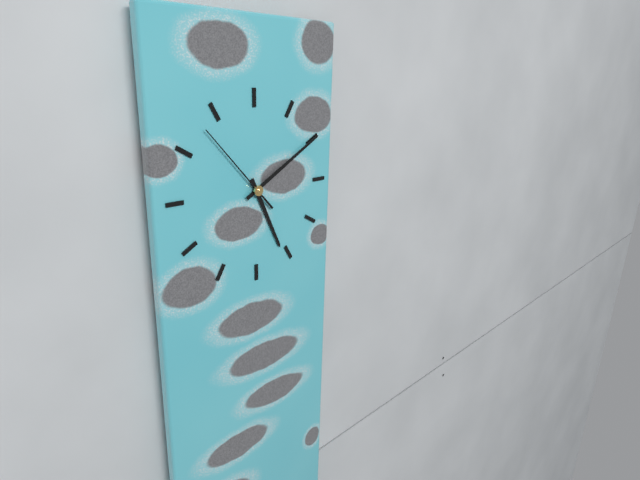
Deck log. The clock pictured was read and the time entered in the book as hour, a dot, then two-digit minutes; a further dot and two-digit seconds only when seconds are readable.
5.10.53
